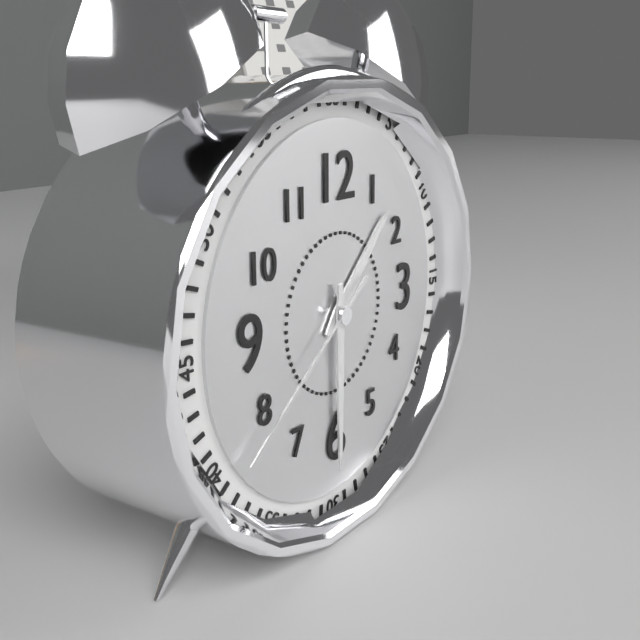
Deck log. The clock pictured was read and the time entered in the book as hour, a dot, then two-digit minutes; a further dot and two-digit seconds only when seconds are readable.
1.30.39
